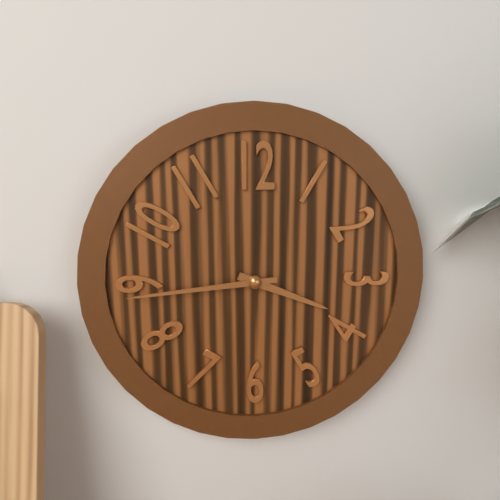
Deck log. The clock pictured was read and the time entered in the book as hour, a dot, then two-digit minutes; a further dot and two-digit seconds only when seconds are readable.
3.44
